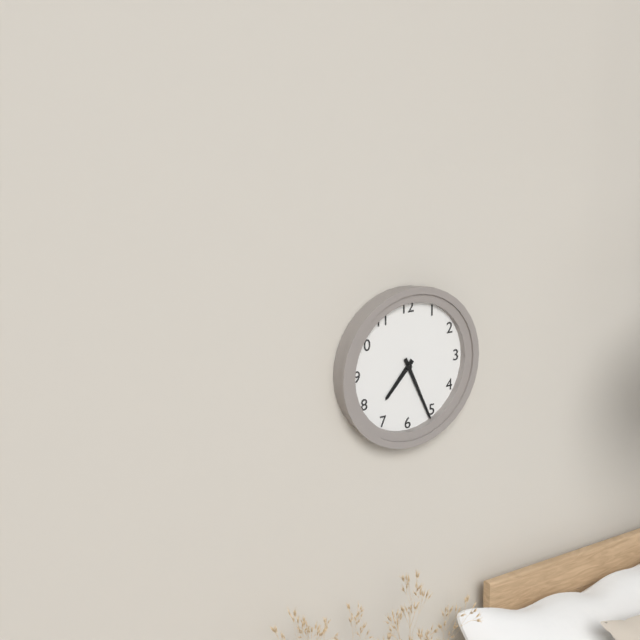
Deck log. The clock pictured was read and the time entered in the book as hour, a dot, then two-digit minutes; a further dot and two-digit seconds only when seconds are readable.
7.26
